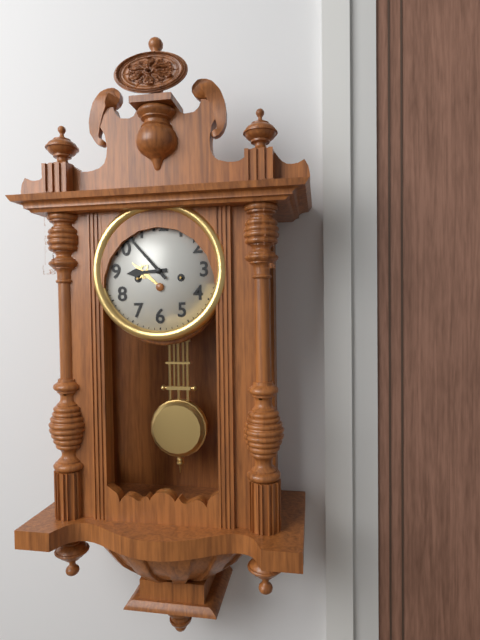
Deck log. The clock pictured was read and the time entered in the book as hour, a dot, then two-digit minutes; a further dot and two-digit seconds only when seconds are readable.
8.53
